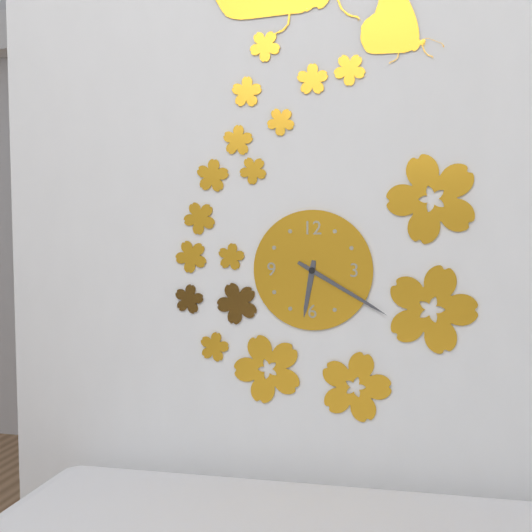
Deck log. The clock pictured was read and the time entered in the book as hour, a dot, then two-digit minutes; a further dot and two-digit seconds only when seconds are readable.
6.20
